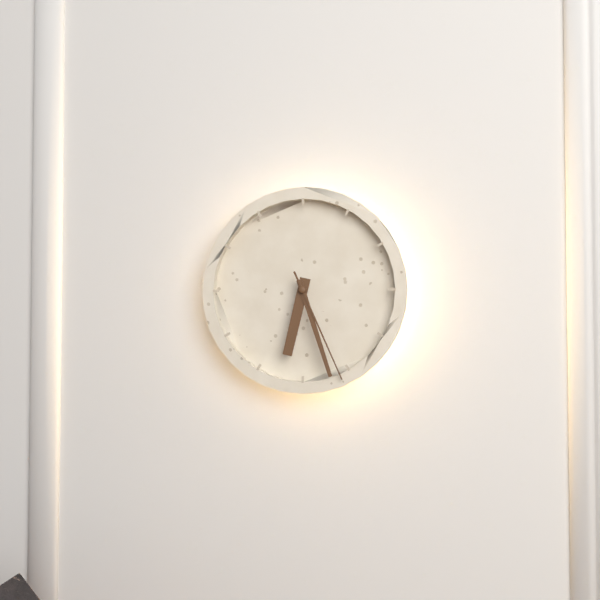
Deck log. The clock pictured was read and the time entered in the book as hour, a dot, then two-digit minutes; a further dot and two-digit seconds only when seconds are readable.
6.27.26
